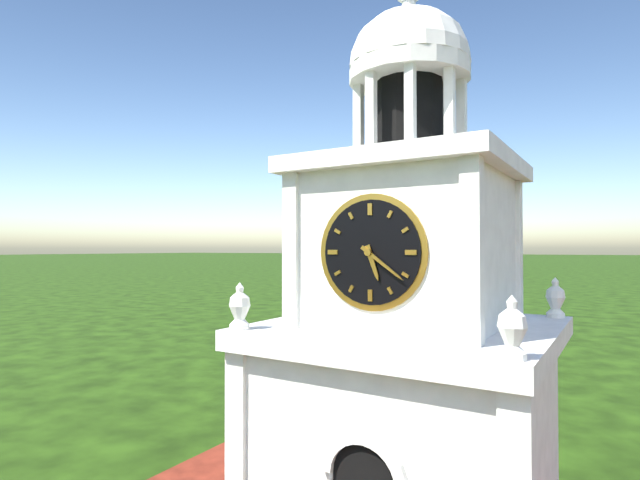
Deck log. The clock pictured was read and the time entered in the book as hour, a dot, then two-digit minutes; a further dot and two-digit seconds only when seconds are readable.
5.21
